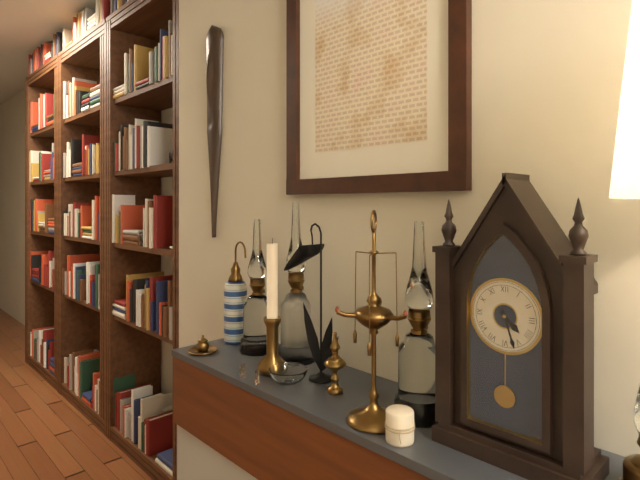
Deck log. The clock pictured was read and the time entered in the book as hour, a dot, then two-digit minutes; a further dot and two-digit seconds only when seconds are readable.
4.27
